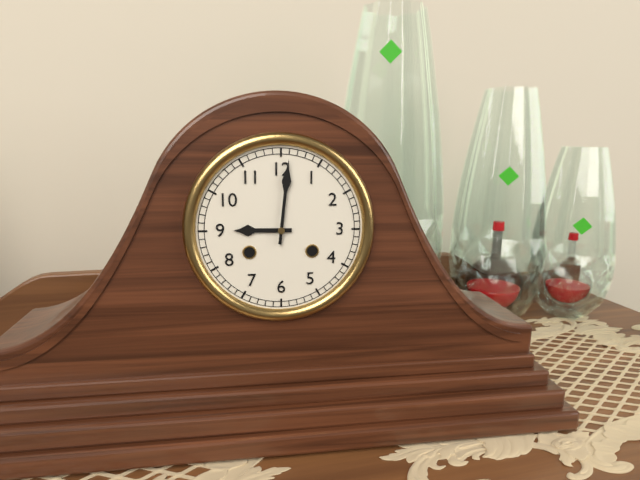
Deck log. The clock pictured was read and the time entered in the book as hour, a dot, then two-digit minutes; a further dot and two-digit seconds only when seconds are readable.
9.01
